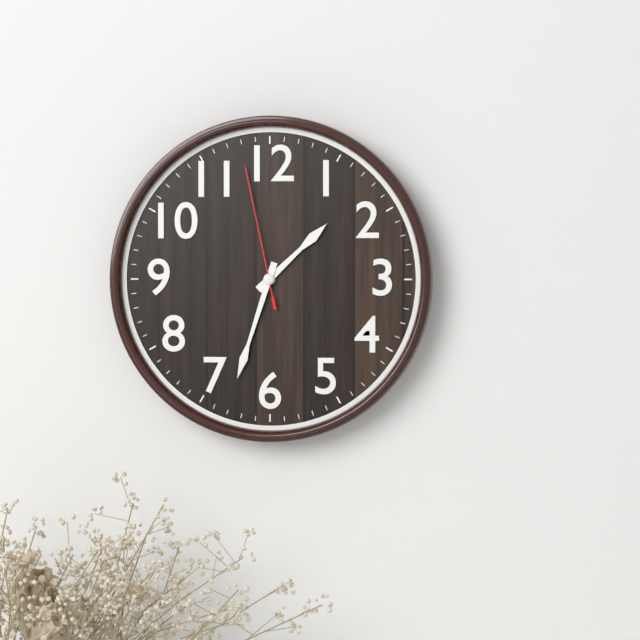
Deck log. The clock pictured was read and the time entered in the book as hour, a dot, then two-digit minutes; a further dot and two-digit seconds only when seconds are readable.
1.33.58
